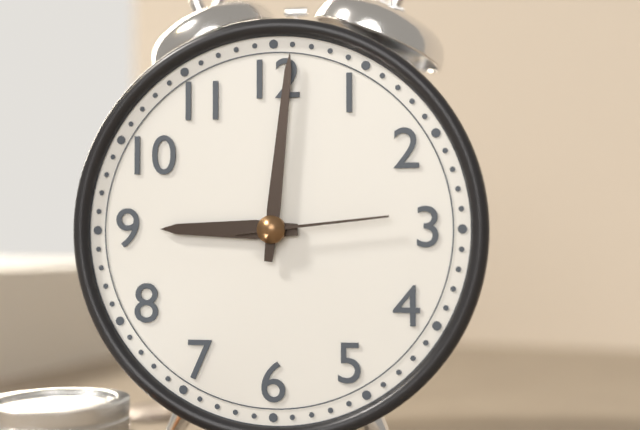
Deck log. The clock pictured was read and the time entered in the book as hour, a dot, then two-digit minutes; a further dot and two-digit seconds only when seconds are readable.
9.01.14
